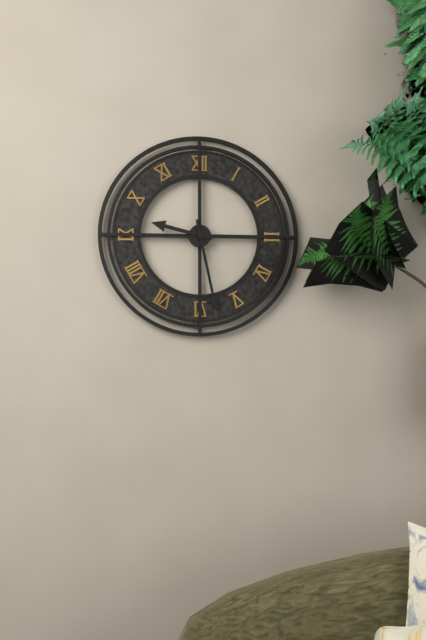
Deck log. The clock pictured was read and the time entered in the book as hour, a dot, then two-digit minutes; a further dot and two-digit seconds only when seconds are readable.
9.28
